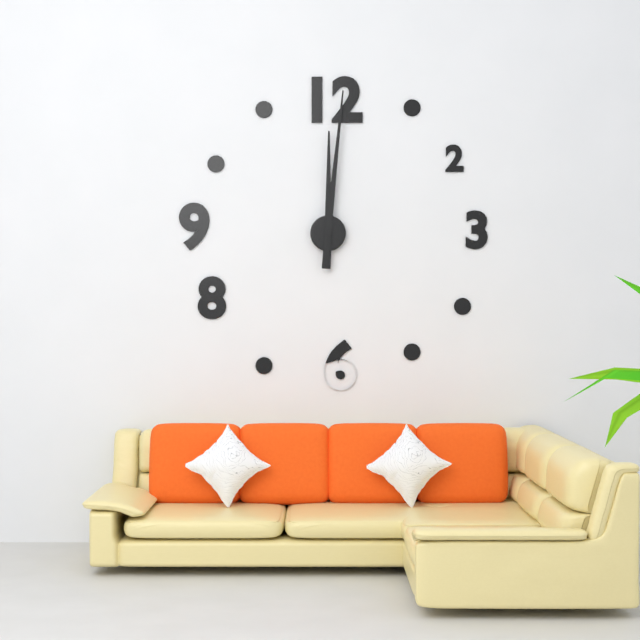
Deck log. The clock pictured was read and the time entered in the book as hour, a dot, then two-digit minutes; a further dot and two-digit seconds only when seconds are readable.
12.01
